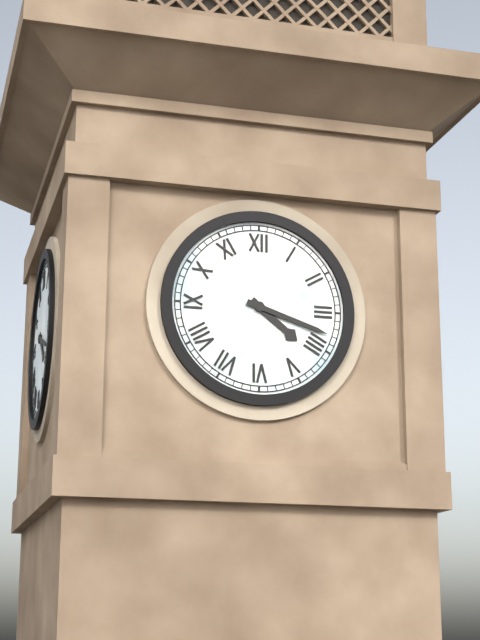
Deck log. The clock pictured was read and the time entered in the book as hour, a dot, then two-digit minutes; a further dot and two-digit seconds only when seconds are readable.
4.18
